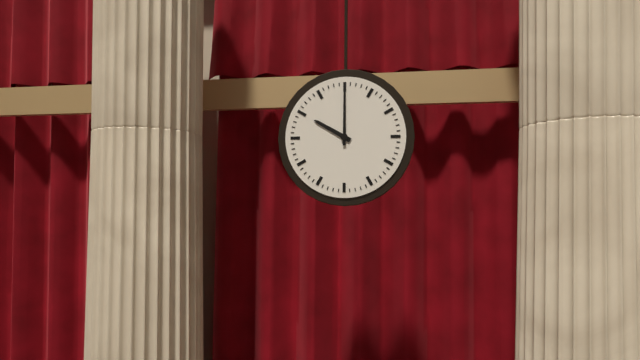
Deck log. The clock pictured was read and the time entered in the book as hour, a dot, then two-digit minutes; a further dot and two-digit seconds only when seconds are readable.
10.00
